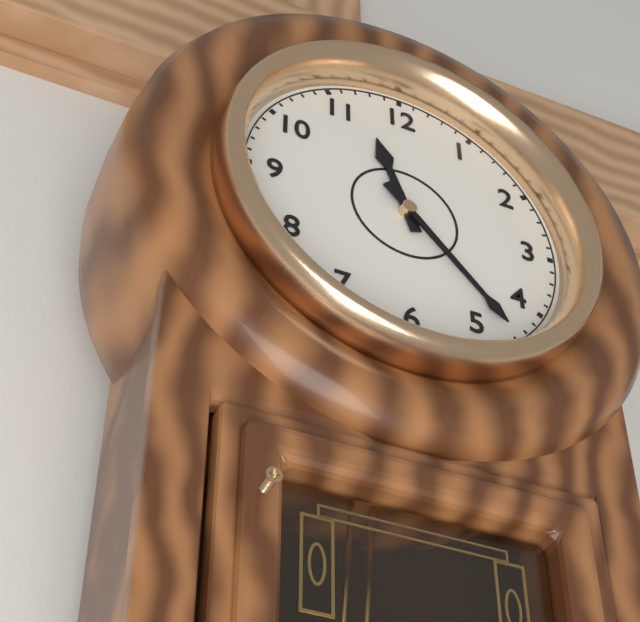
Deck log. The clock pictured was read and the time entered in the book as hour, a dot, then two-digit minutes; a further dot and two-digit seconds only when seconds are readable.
11.23
